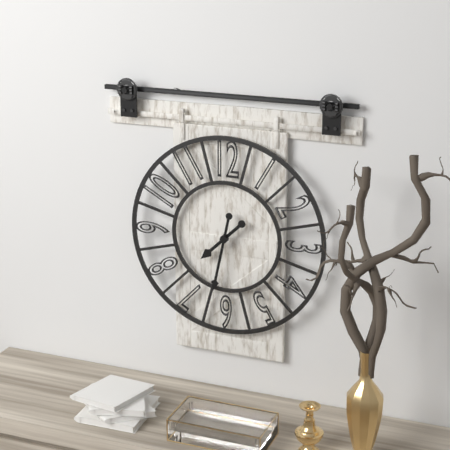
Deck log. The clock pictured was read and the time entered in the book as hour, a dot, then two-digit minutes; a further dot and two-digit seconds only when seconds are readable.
7.32
